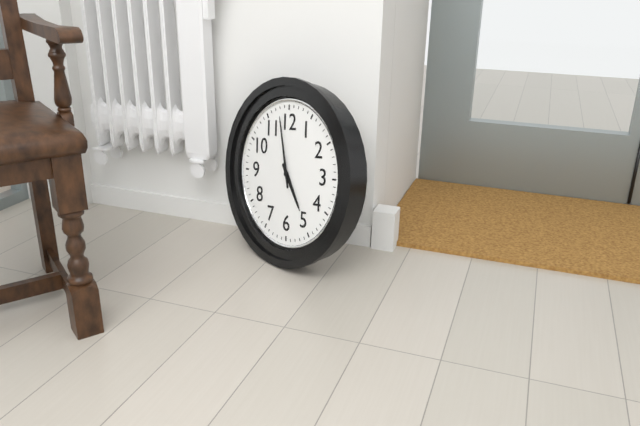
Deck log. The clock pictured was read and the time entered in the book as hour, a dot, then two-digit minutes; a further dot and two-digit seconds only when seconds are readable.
4.58
